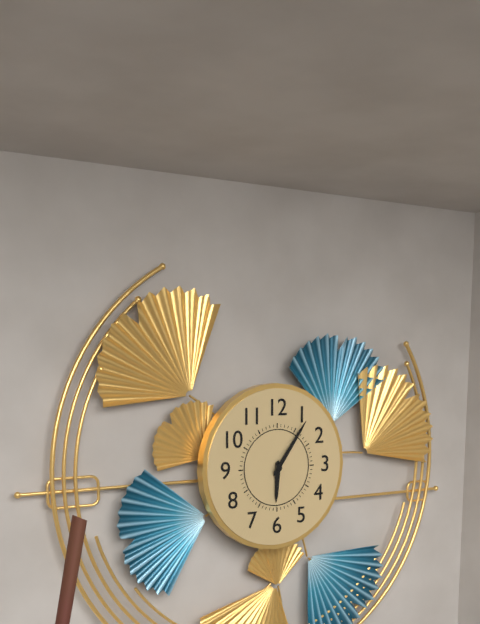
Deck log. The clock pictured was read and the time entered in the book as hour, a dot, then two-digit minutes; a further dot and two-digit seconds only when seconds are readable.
6.06
